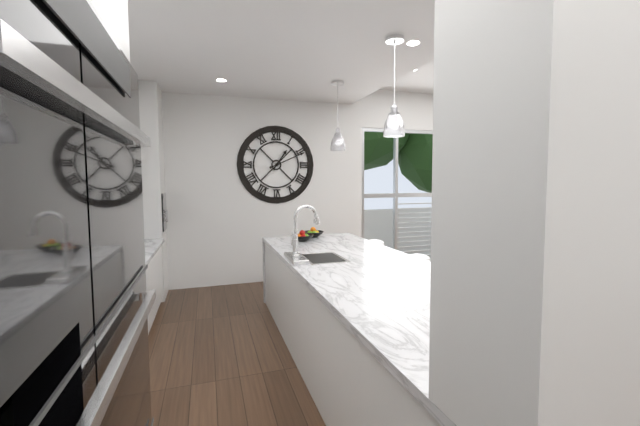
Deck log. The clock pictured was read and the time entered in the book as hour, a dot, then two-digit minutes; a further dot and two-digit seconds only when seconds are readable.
1.11
